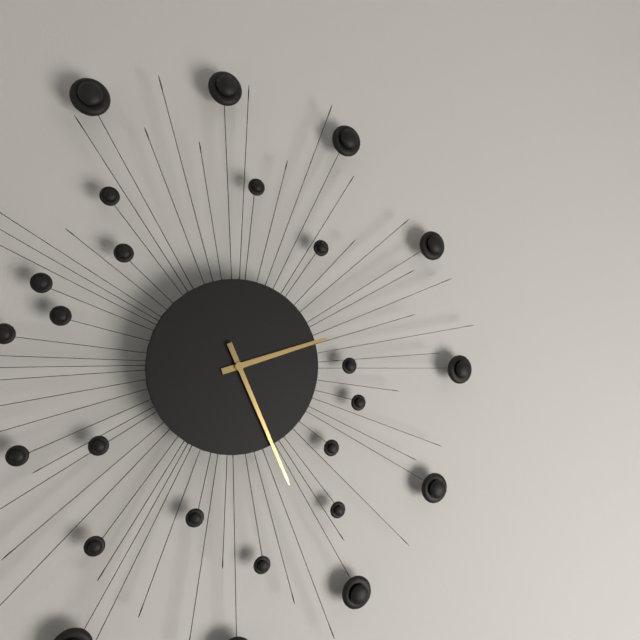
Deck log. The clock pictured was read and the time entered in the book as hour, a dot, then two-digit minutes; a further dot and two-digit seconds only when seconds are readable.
2.26
